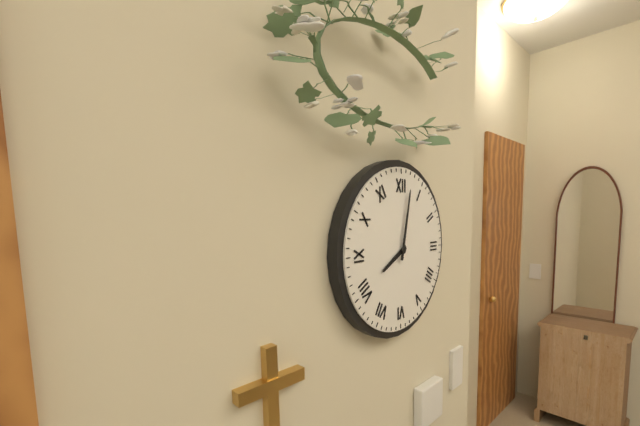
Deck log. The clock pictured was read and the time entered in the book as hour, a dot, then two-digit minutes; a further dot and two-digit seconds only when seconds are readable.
8.02
